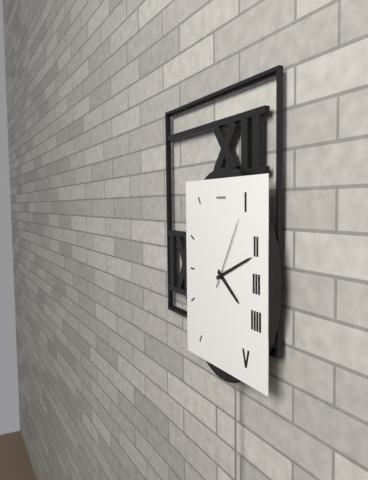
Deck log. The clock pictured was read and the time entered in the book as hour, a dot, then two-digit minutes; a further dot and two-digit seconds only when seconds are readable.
4.11.05
